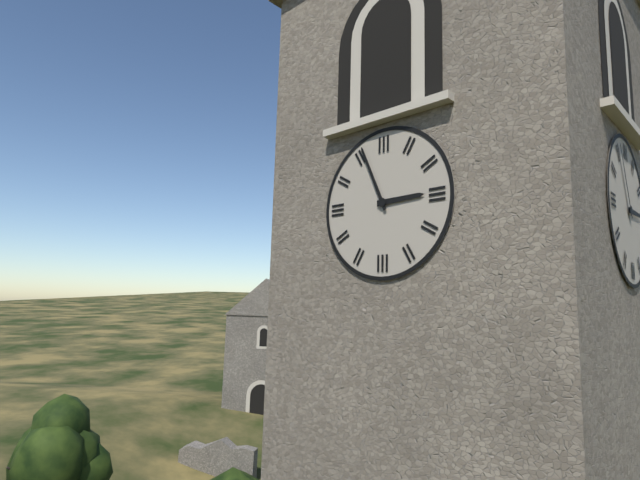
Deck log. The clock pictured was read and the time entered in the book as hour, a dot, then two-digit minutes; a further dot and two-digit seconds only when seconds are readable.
2.56
